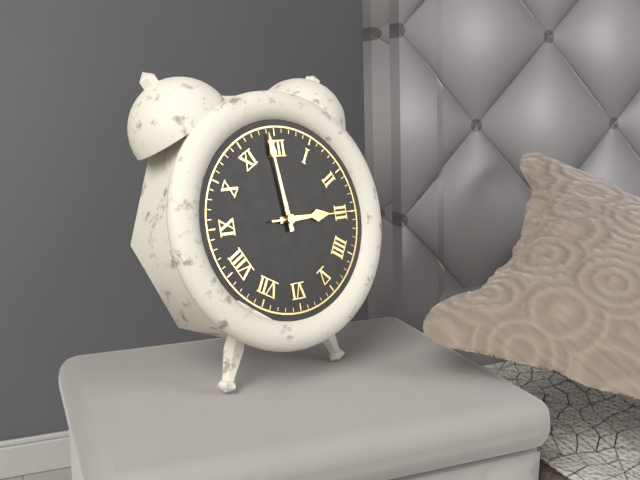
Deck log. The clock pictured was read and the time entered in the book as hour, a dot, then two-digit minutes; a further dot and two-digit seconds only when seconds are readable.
2.59.15
